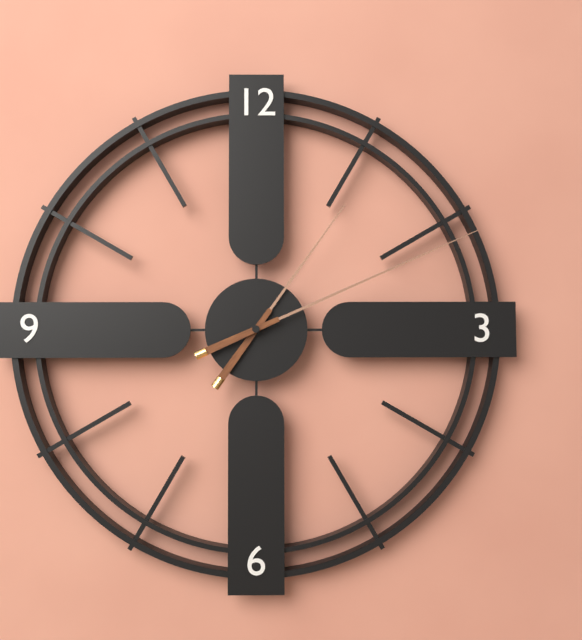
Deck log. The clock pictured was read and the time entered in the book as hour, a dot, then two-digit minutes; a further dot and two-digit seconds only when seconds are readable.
1.11
